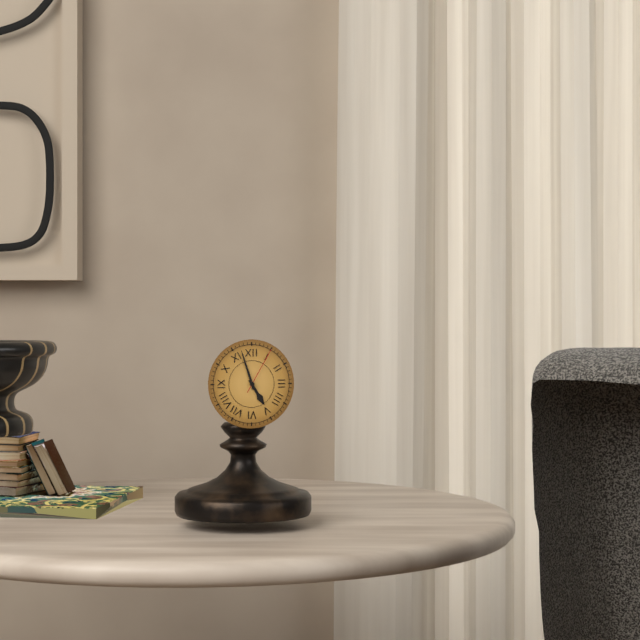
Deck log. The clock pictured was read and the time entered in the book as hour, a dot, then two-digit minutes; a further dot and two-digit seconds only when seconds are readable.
4.57.05
